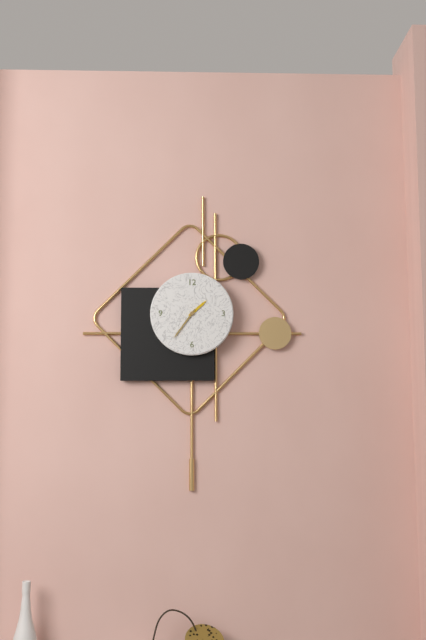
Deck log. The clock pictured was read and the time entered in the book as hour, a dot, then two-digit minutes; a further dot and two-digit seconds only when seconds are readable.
1.36
